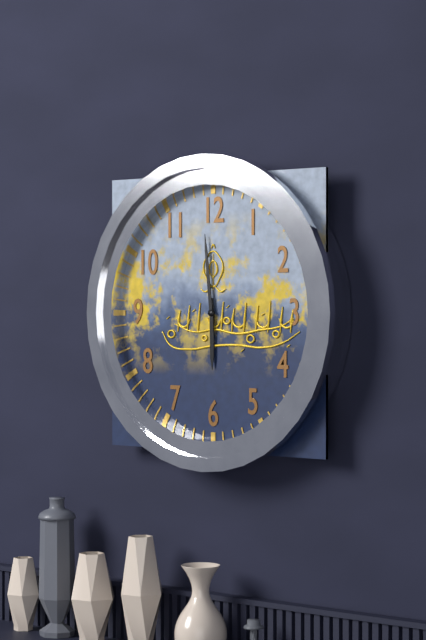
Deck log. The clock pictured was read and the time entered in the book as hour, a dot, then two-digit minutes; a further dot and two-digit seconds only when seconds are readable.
5.59
